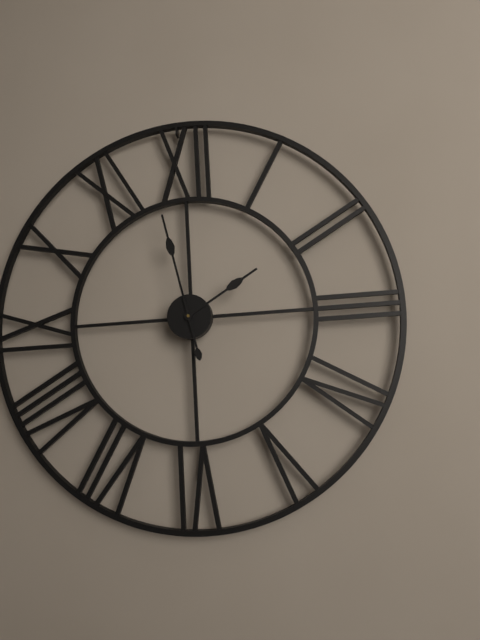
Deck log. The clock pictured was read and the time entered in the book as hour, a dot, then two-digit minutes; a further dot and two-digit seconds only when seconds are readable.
1.58
